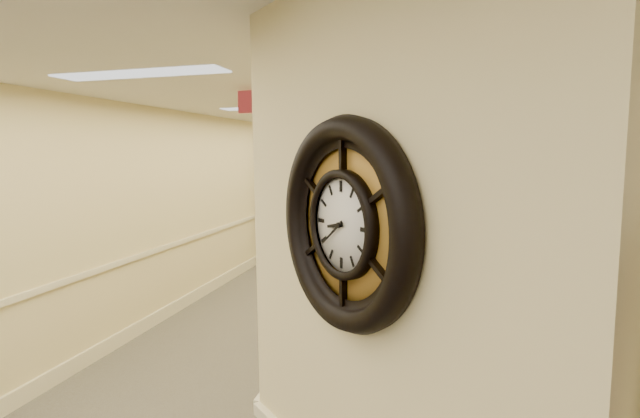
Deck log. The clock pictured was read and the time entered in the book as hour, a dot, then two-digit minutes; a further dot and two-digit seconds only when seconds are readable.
8.39
